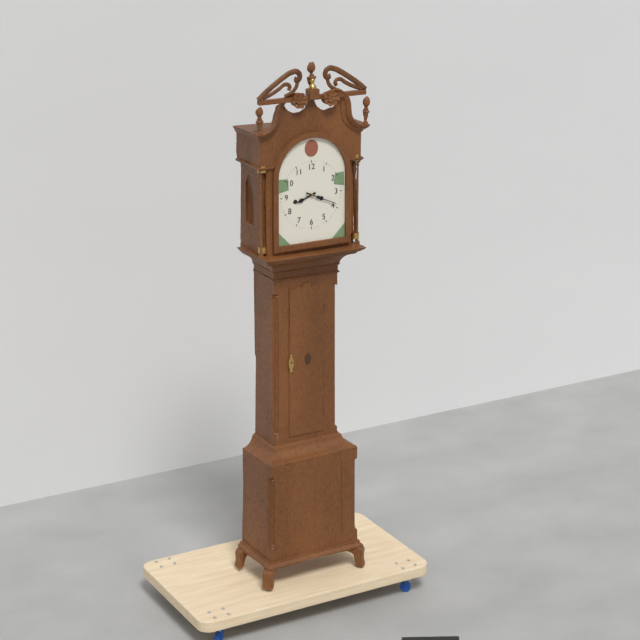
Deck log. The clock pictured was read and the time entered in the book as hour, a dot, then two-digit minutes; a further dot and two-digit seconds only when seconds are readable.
8.19
